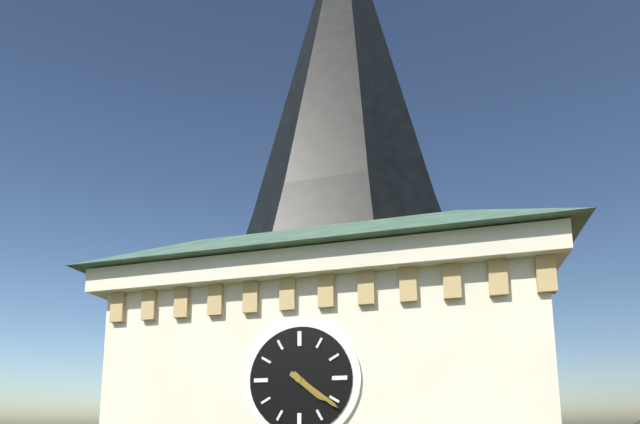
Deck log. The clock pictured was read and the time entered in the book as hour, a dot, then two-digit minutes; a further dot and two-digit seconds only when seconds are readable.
4.21
